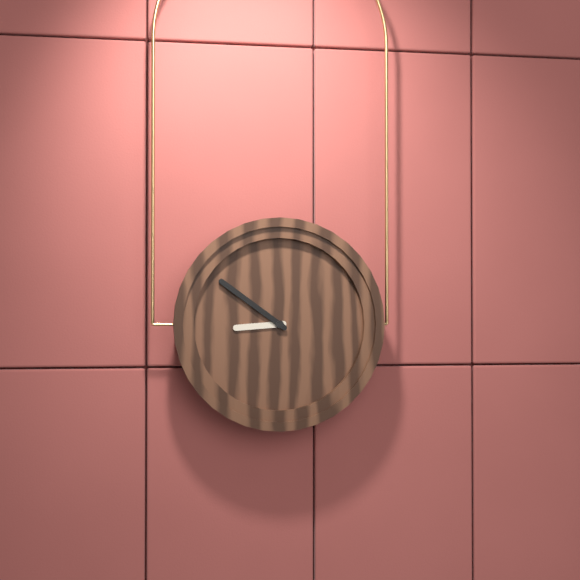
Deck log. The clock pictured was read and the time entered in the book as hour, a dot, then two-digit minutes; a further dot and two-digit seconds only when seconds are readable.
8.51
